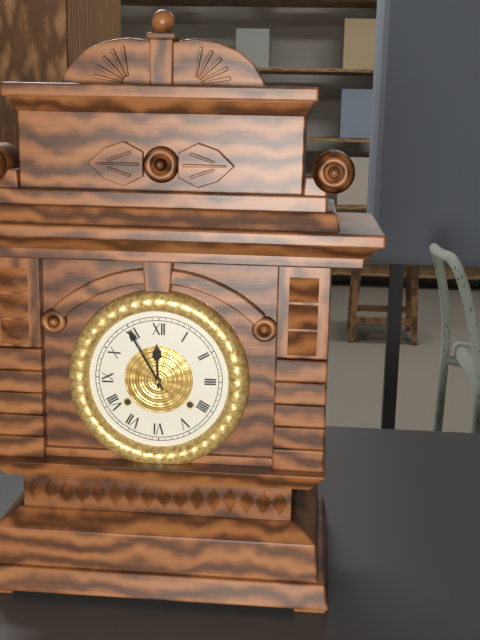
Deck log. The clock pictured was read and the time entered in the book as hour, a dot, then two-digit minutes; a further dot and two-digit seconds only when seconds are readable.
11.55
